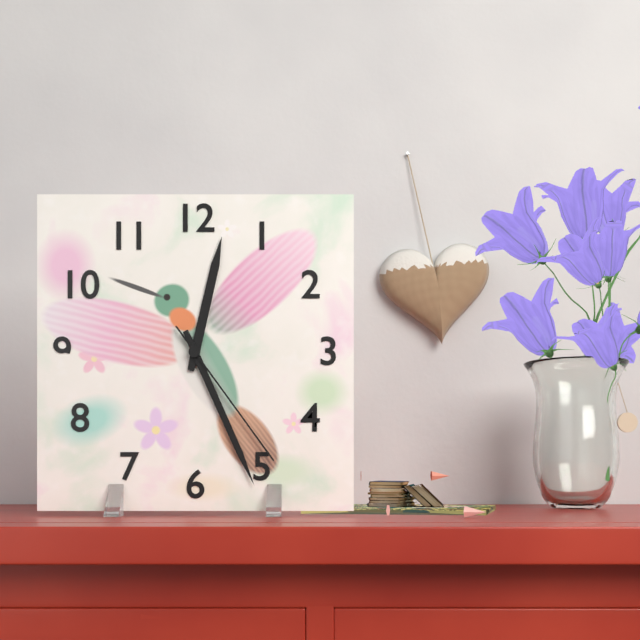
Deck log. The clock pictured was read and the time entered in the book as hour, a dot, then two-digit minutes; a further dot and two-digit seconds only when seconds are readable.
12.26.24
